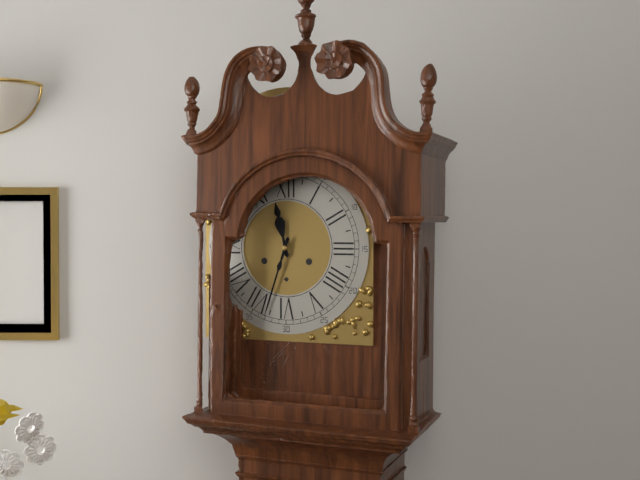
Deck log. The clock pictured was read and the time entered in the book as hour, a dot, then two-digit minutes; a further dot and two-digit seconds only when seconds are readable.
11.33
